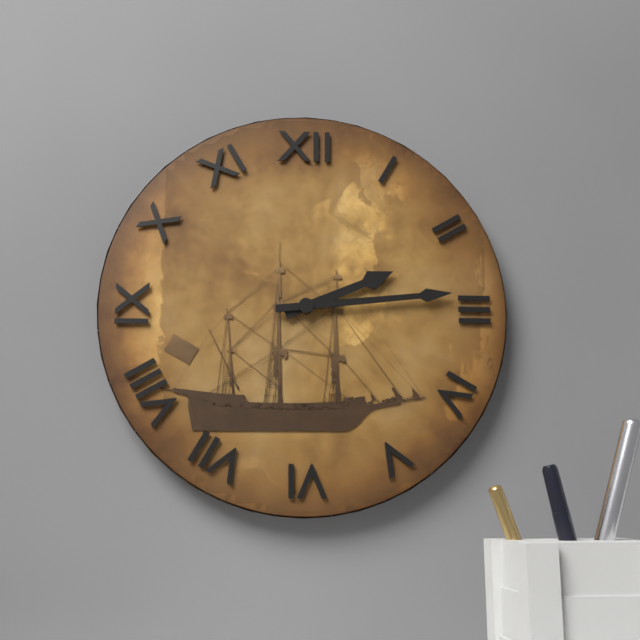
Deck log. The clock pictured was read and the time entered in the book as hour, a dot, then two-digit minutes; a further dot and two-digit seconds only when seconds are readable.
2.14
